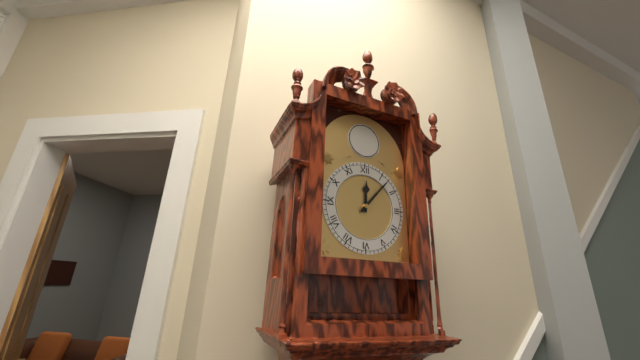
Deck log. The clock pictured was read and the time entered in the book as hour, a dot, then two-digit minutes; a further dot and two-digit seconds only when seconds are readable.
12.07
